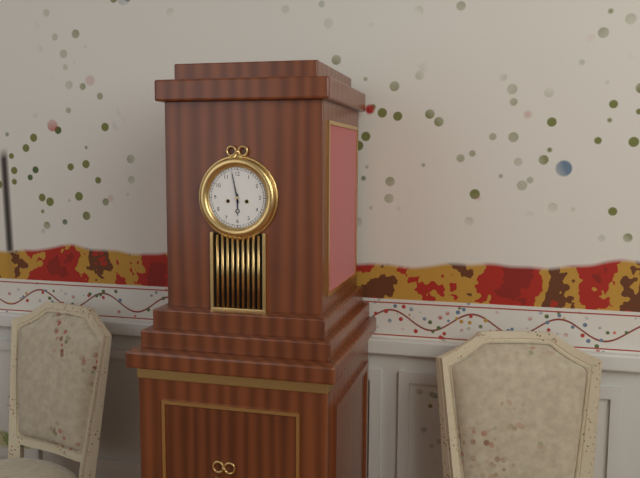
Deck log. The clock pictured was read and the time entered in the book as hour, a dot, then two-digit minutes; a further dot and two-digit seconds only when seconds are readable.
5.58
